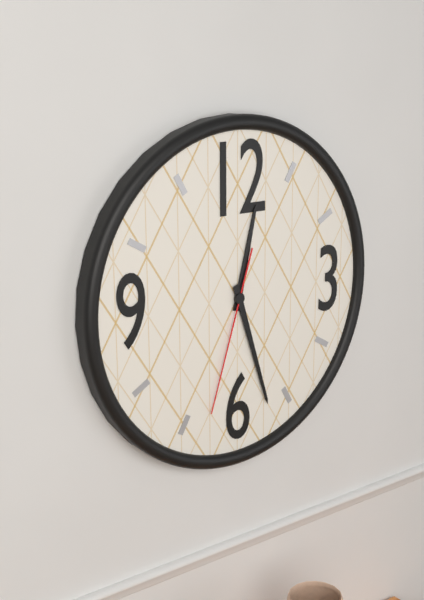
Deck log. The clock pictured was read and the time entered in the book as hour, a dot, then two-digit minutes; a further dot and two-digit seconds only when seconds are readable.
12.27.33
